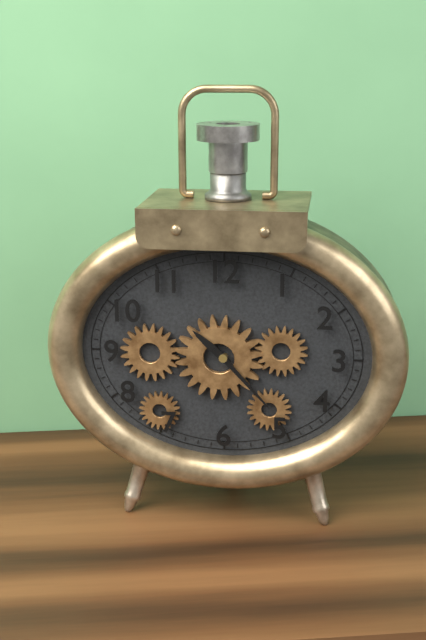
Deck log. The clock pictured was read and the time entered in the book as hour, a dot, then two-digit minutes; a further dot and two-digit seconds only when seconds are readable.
10.23
